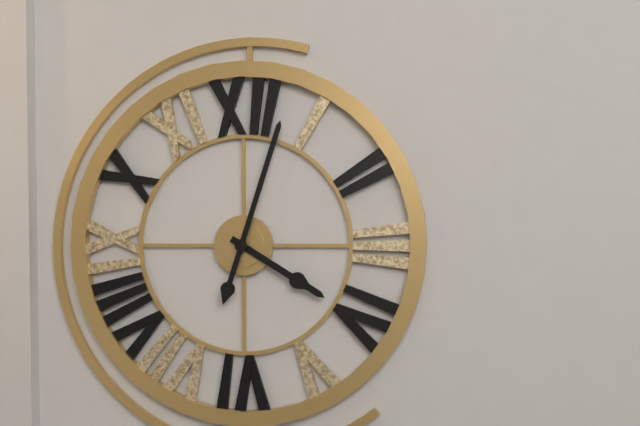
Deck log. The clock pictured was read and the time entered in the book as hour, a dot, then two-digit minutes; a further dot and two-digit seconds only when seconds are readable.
4.03
